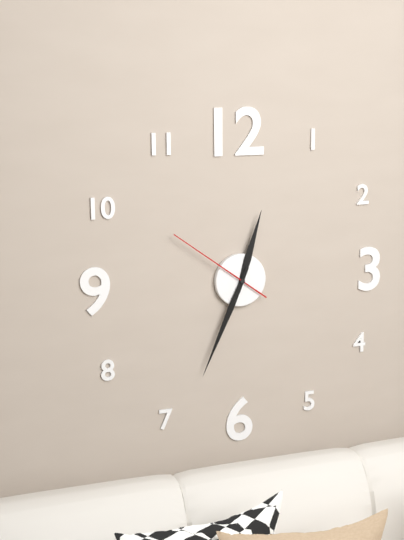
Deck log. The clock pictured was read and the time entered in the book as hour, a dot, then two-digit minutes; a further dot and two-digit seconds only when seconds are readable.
12.34.51
